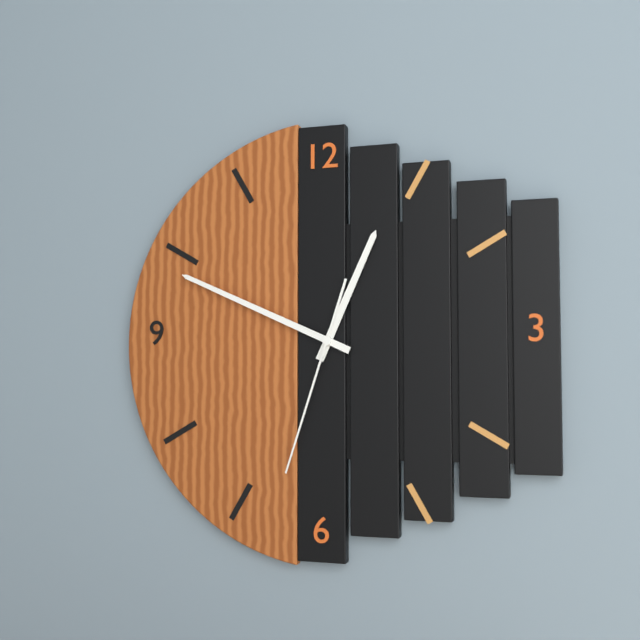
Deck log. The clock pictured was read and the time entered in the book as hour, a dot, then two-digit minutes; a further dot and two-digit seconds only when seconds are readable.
12.49.33
